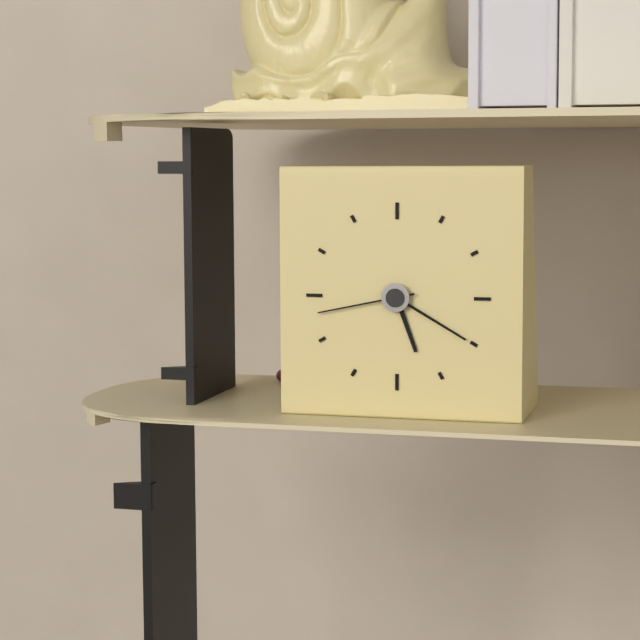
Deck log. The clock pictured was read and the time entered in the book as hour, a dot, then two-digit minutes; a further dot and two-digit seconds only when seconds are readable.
5.20.43
